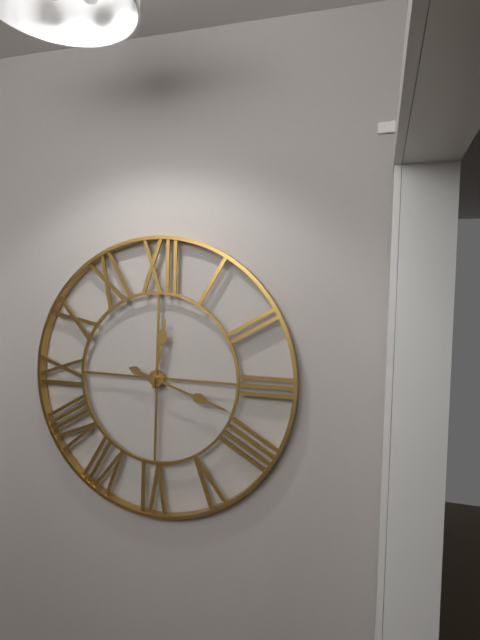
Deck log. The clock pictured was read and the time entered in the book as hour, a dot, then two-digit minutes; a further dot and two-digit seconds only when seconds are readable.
12.18
